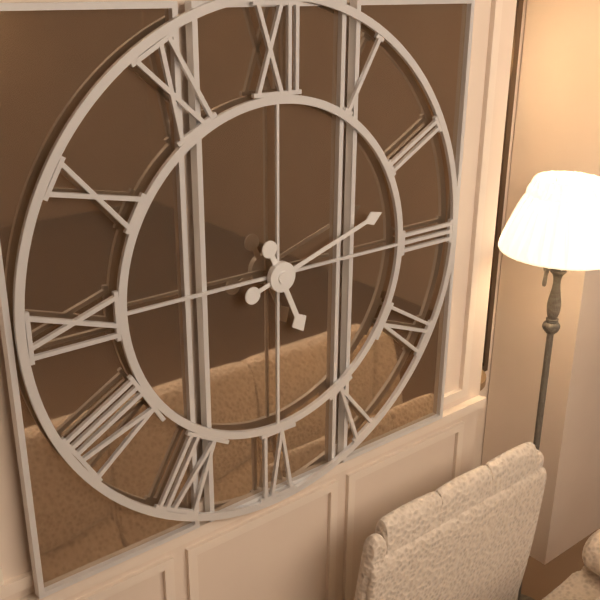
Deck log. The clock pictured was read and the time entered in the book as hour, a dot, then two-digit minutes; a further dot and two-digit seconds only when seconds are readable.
5.12
